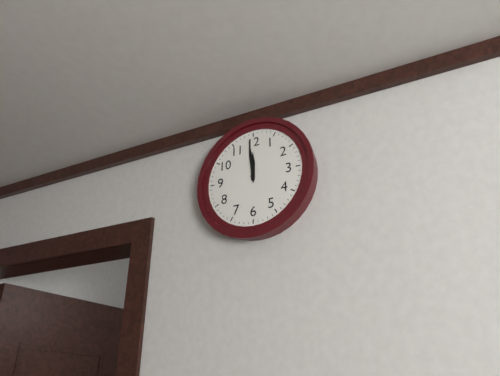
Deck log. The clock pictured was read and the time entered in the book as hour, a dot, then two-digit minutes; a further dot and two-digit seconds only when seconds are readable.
11.59
